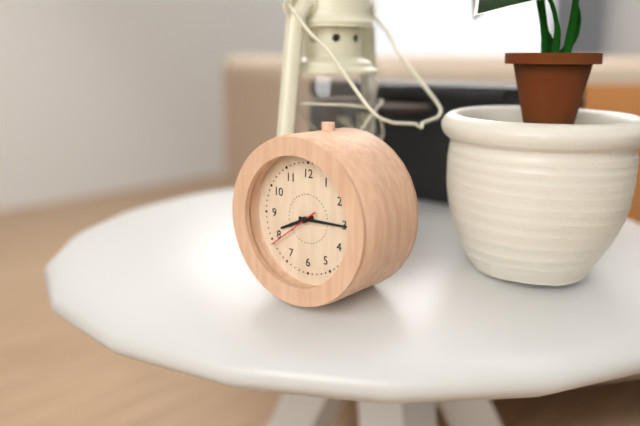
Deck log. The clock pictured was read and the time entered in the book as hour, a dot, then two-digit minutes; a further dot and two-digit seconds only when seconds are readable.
8.15.39
